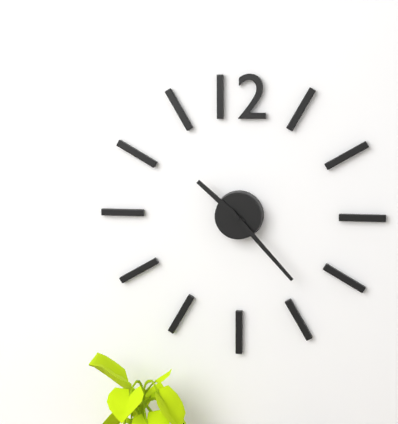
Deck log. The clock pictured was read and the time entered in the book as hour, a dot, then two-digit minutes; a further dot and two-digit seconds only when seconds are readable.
10.23
